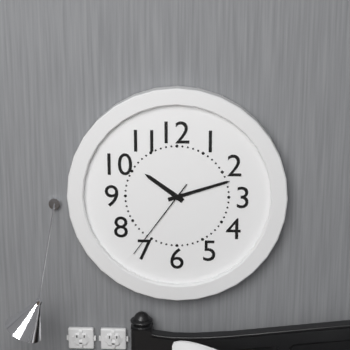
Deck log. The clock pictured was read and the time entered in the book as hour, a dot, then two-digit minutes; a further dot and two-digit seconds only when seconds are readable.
10.12.36
